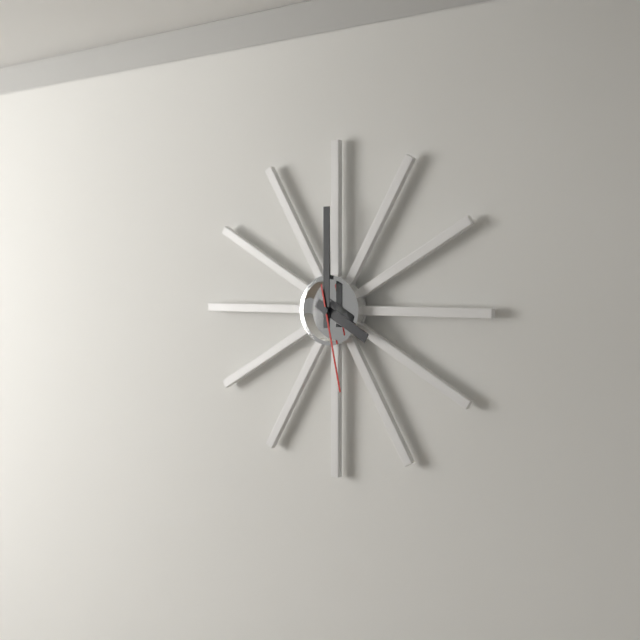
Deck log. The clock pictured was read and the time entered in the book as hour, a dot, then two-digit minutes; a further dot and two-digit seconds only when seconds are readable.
4.00.28
